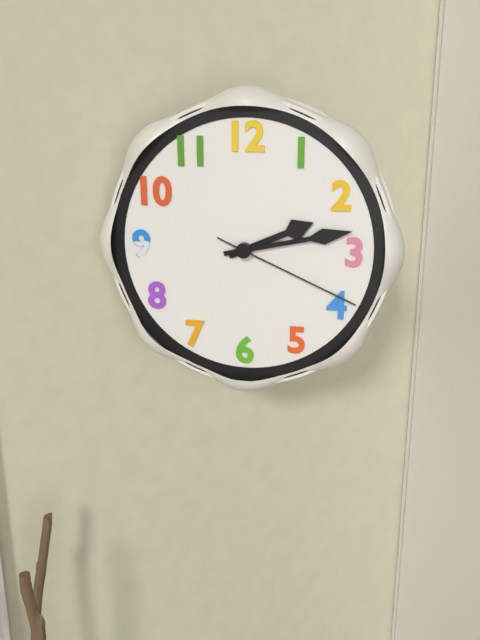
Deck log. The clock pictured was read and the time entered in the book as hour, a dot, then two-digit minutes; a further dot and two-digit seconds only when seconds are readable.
2.13.19
